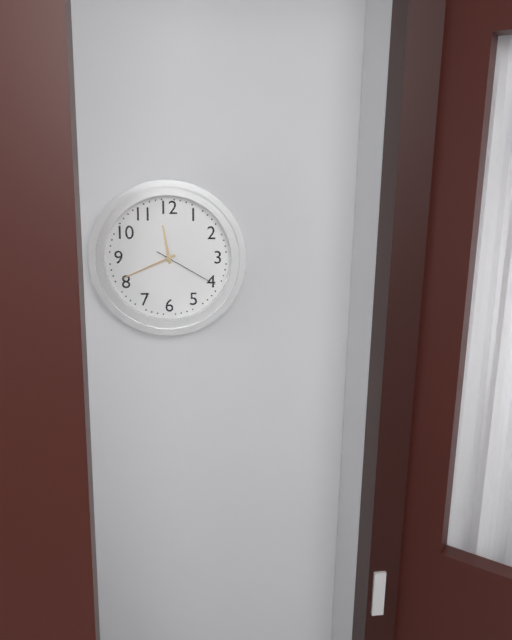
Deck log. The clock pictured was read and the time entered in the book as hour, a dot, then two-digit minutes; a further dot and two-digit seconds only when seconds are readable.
11.41.20
